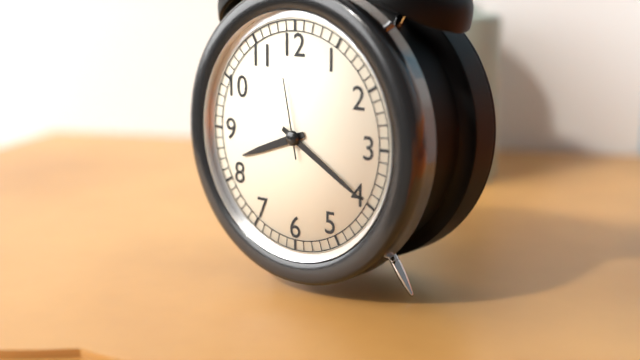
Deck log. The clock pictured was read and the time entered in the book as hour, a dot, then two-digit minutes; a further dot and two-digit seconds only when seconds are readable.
8.20.58
